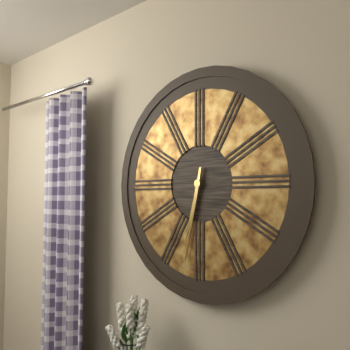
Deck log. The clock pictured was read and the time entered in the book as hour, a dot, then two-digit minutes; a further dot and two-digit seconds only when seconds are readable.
6.32
